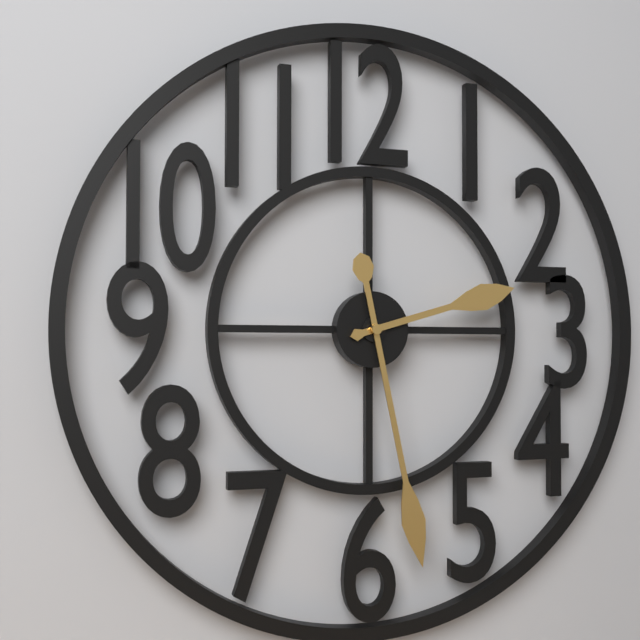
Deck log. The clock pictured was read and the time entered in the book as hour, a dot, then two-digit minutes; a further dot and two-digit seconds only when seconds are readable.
2.28
